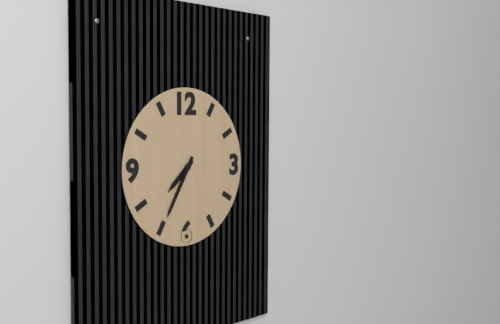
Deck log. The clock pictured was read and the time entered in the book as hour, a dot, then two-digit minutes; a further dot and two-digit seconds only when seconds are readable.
7.35
